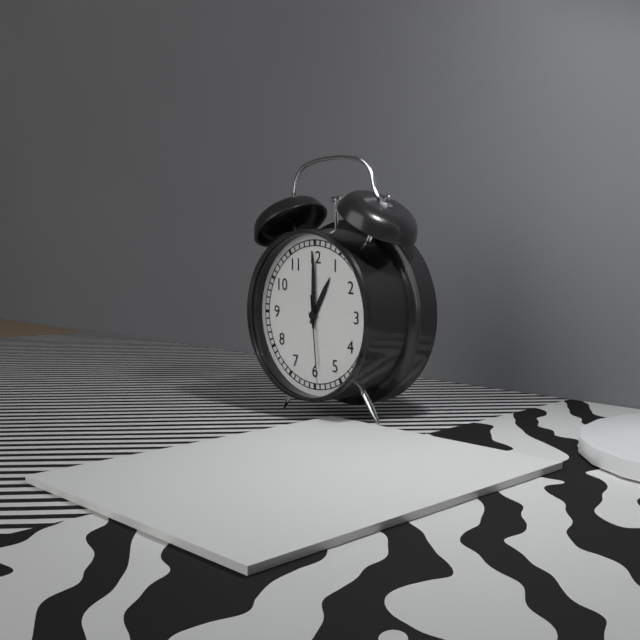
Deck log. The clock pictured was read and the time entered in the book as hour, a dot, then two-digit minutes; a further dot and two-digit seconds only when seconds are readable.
1.00.29
